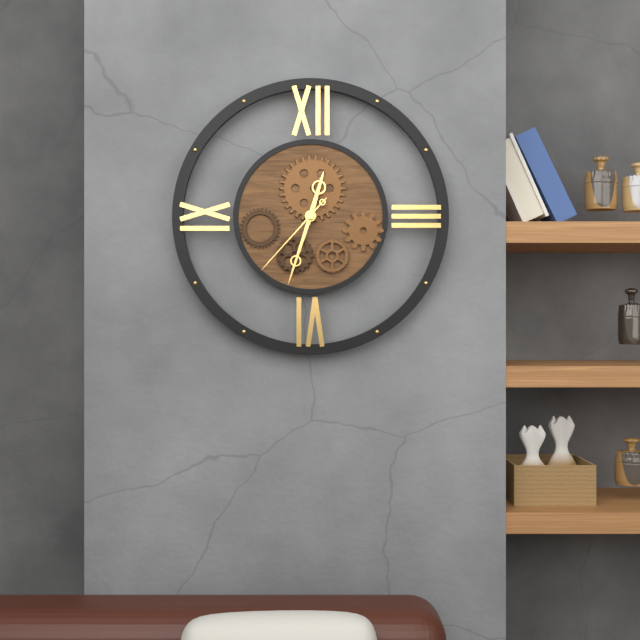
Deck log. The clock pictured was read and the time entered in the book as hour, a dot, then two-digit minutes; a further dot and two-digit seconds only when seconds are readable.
12.33.37
